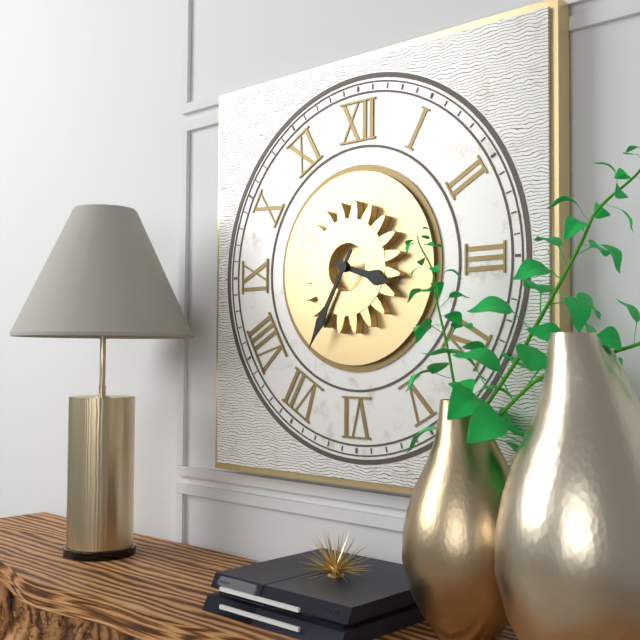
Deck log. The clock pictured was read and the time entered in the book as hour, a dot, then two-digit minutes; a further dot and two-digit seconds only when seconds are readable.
3.35
